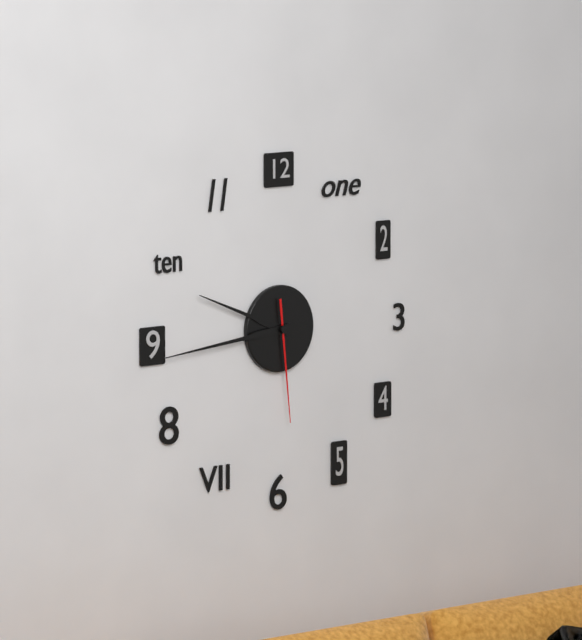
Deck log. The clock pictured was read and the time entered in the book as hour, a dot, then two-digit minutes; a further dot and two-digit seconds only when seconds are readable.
9.44.29
